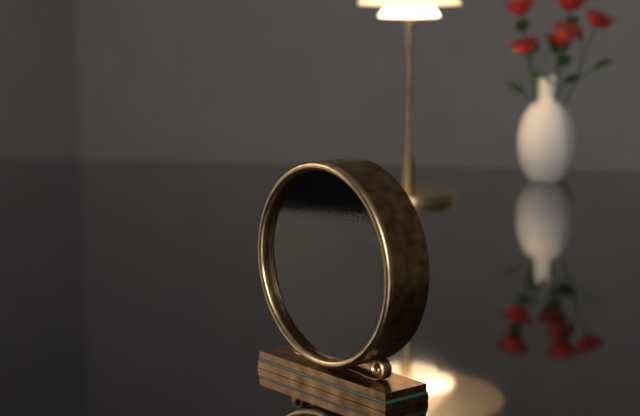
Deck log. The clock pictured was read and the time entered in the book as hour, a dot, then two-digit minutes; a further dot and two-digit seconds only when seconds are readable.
12.03
